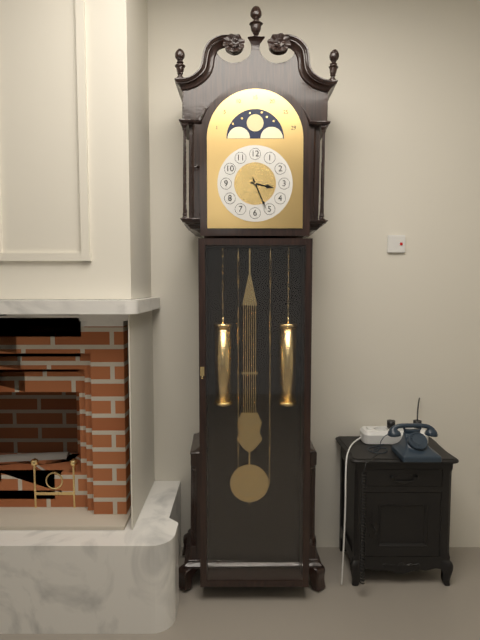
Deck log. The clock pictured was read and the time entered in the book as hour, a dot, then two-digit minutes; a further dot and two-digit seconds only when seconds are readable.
3.26
